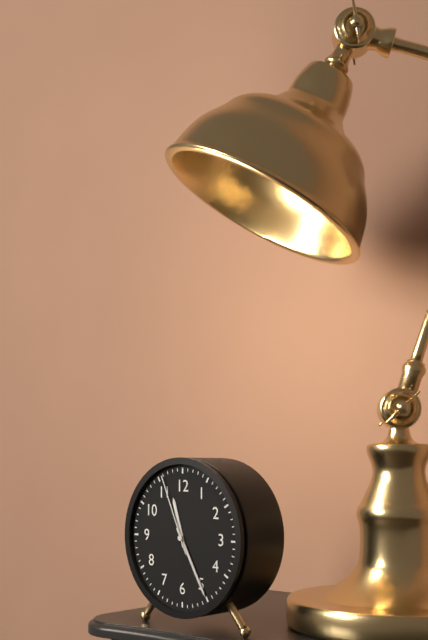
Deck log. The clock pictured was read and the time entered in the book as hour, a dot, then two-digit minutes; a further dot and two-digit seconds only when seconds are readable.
11.25.56
